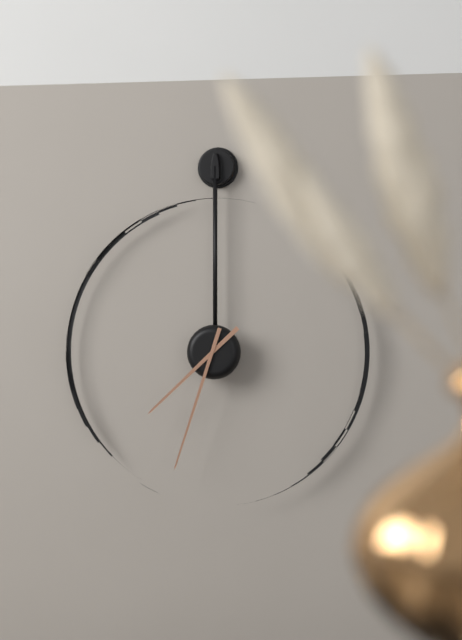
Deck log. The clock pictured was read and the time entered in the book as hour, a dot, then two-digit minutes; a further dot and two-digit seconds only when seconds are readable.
7.33
